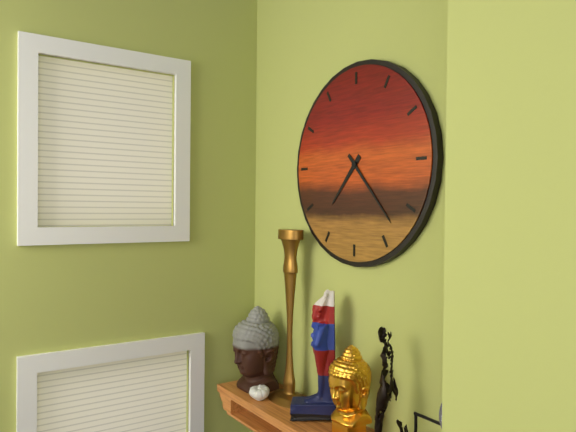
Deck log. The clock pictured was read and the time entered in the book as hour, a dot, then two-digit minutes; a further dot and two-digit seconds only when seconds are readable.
7.23
